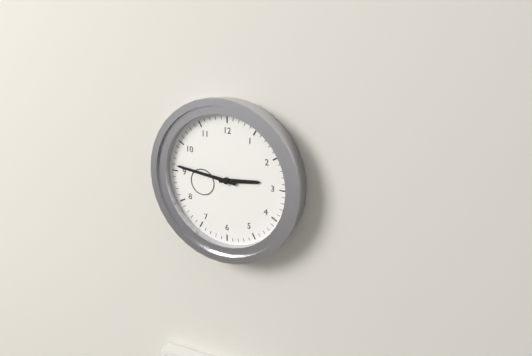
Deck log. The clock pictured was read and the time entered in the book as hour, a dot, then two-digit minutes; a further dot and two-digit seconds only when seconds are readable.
2.46
